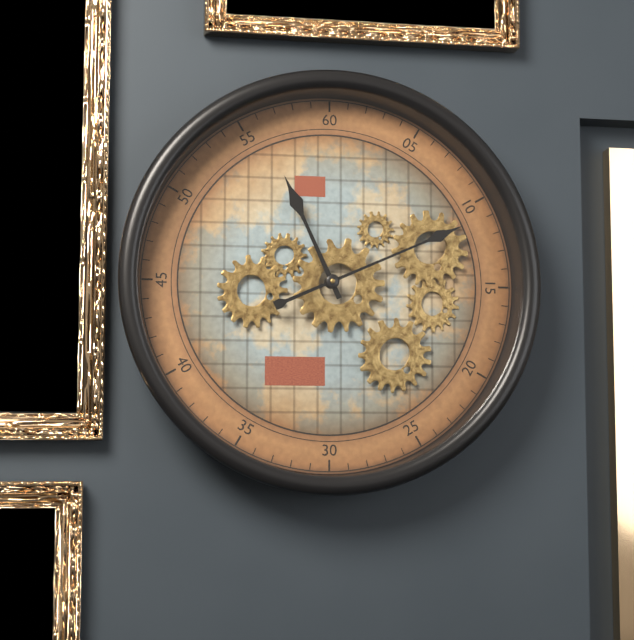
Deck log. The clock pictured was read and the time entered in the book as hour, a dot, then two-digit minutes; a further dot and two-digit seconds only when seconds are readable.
11.11
